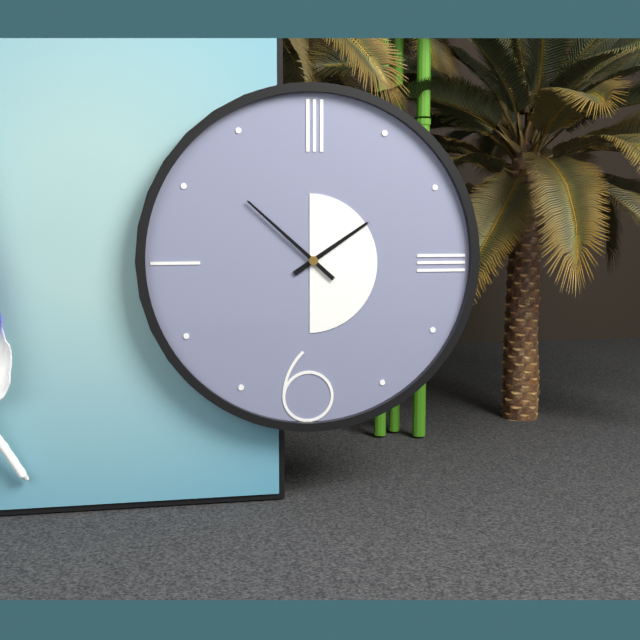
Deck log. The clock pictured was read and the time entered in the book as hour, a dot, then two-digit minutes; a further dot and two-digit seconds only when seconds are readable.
1.52
